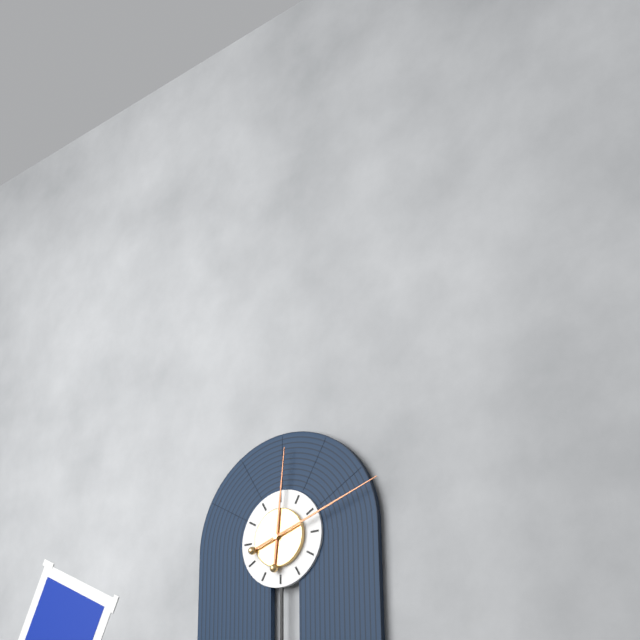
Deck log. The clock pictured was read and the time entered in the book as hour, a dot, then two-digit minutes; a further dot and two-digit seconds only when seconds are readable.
12.12
